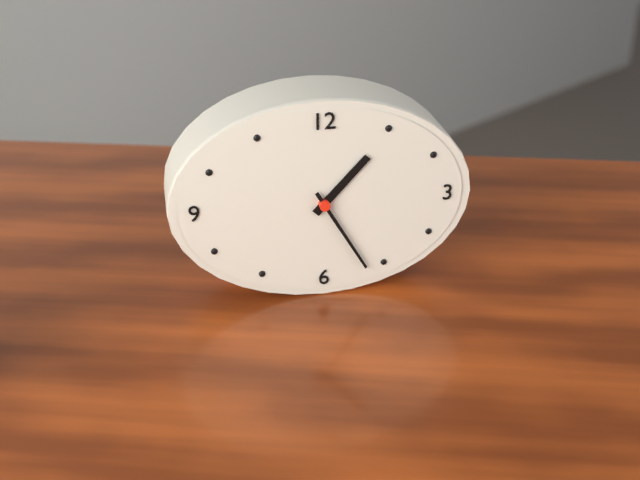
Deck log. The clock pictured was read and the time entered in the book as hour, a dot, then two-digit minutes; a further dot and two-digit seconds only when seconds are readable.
1.25
